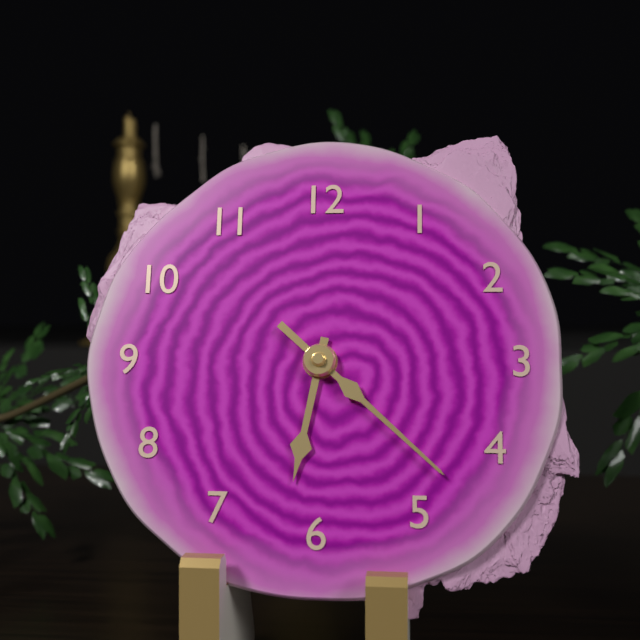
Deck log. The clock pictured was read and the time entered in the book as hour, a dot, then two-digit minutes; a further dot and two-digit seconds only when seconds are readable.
6.22
